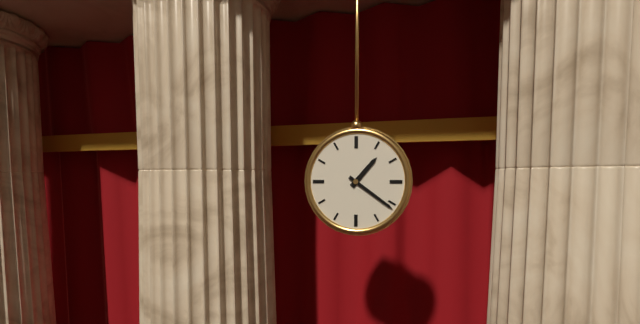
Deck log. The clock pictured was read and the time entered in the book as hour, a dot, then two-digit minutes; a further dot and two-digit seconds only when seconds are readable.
1.21
